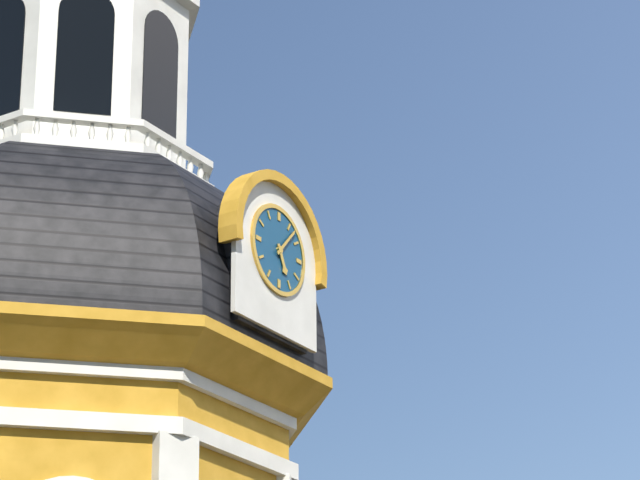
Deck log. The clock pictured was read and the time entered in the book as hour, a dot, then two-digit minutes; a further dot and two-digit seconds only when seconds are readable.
5.07
